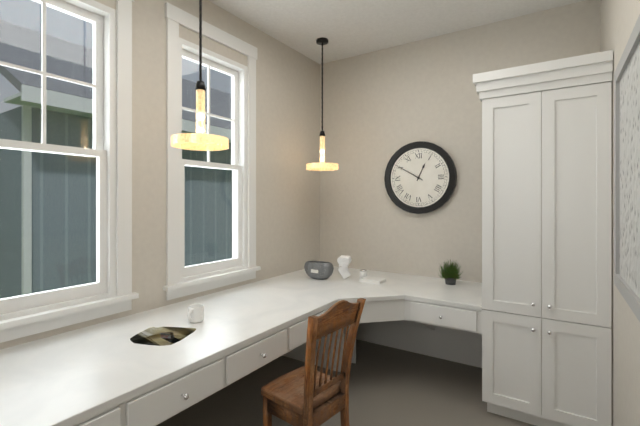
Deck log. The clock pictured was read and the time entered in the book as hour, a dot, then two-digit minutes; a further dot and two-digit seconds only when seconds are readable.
12.50
